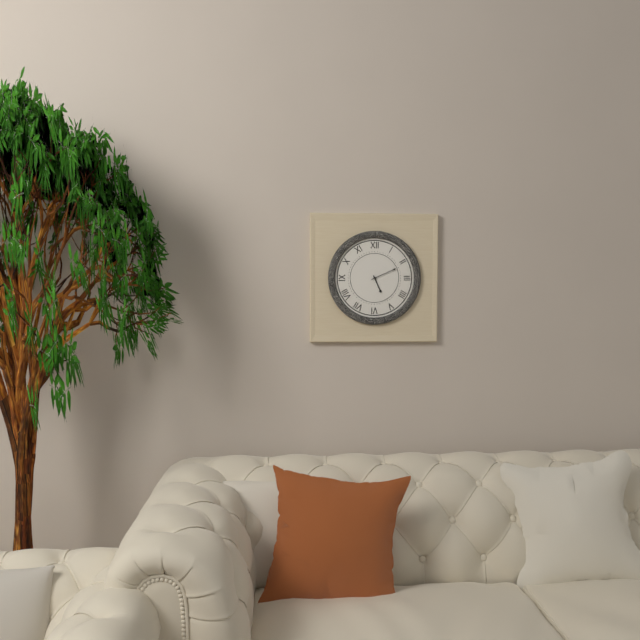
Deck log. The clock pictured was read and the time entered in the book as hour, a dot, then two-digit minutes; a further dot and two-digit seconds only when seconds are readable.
5.11
